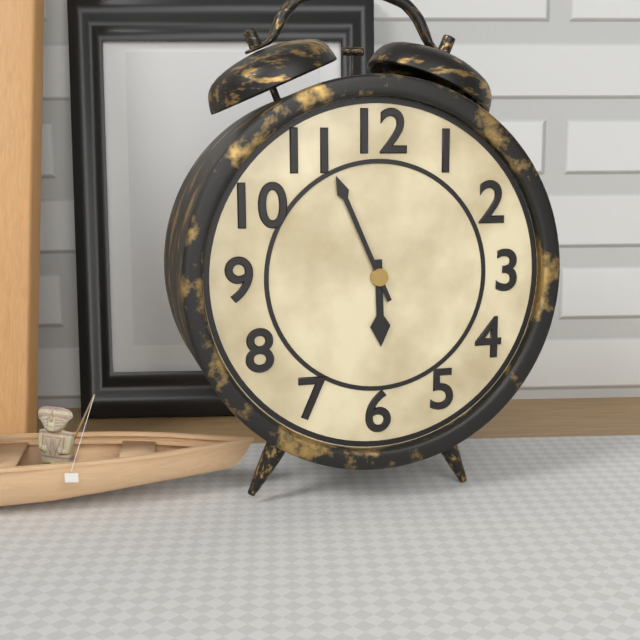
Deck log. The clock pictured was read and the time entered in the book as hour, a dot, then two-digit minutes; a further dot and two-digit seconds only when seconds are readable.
5.56
